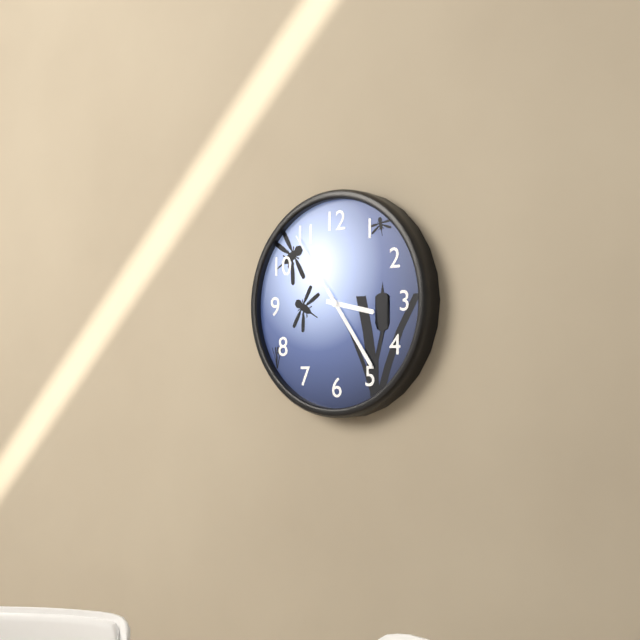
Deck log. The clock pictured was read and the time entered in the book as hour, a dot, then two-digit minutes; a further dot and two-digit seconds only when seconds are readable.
3.24.54
